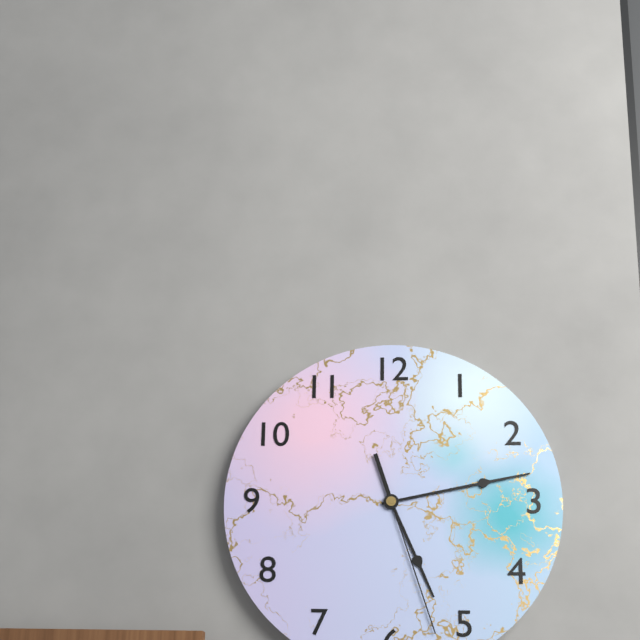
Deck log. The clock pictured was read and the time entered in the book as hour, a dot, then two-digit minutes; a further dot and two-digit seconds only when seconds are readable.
5.13.27
